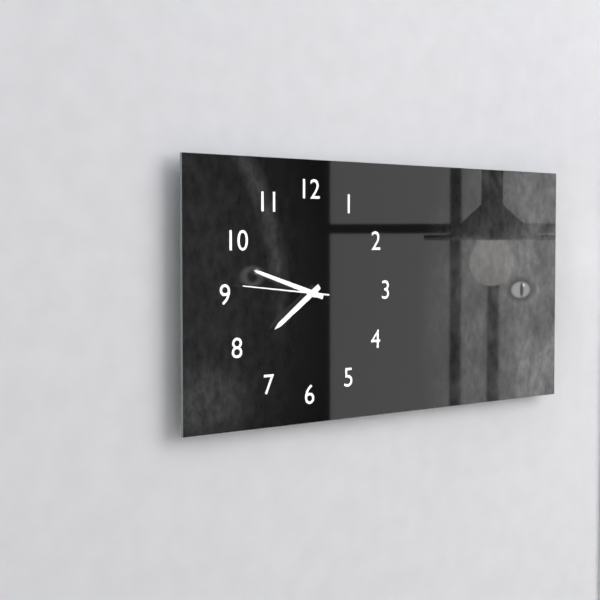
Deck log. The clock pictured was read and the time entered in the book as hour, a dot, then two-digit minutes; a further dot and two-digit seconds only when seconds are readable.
7.48.46
